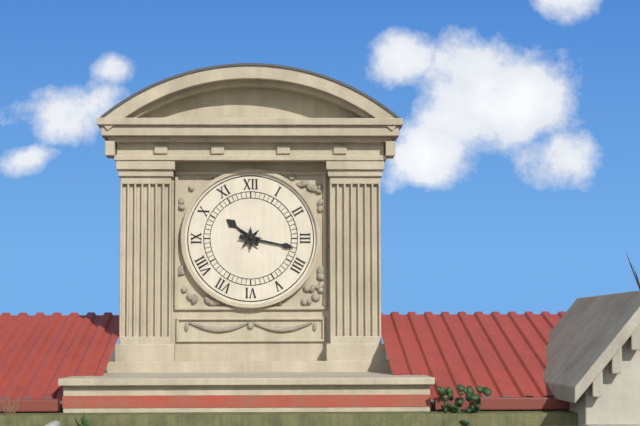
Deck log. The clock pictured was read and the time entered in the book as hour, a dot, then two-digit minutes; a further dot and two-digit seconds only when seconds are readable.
10.17
